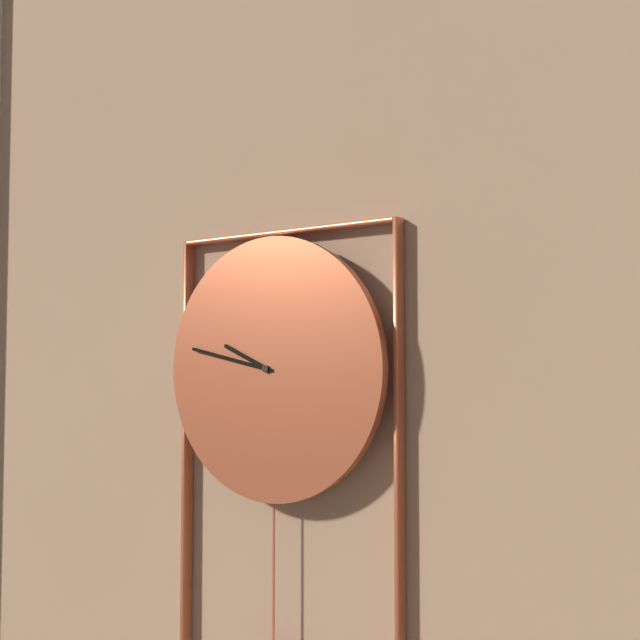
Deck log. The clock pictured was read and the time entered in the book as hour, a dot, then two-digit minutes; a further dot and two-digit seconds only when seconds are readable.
9.47
